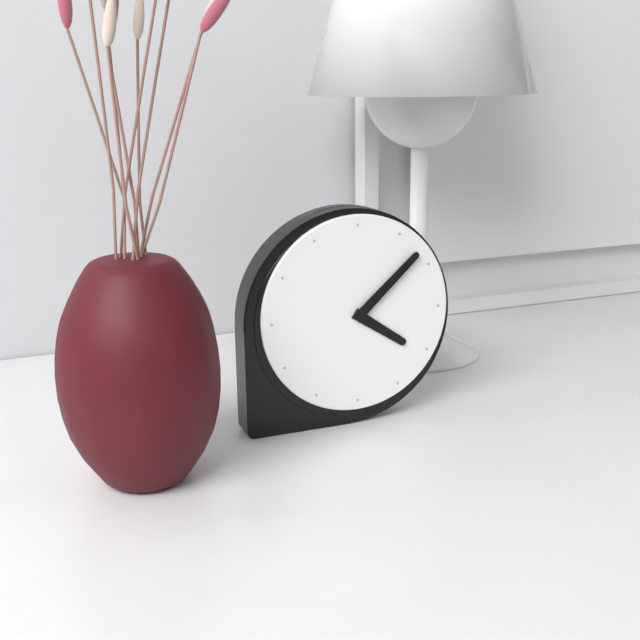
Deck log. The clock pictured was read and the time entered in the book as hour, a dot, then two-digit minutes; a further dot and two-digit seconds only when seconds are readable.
4.08
